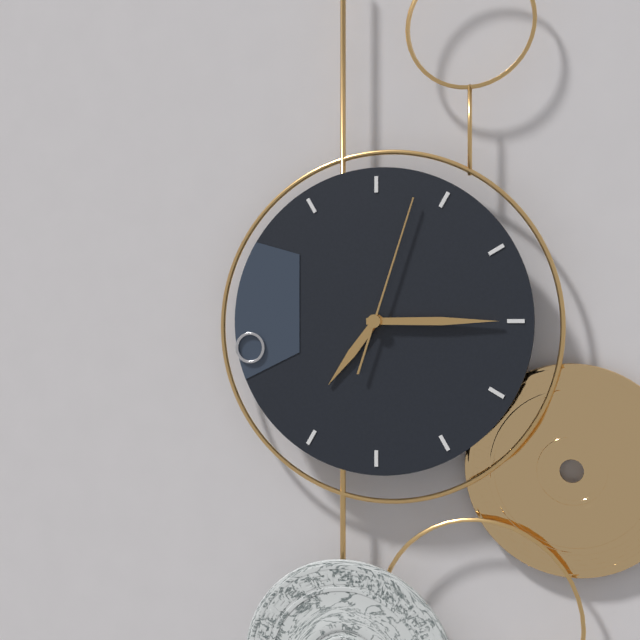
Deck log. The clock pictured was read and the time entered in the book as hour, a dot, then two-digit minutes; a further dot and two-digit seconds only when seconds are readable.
7.15.03
